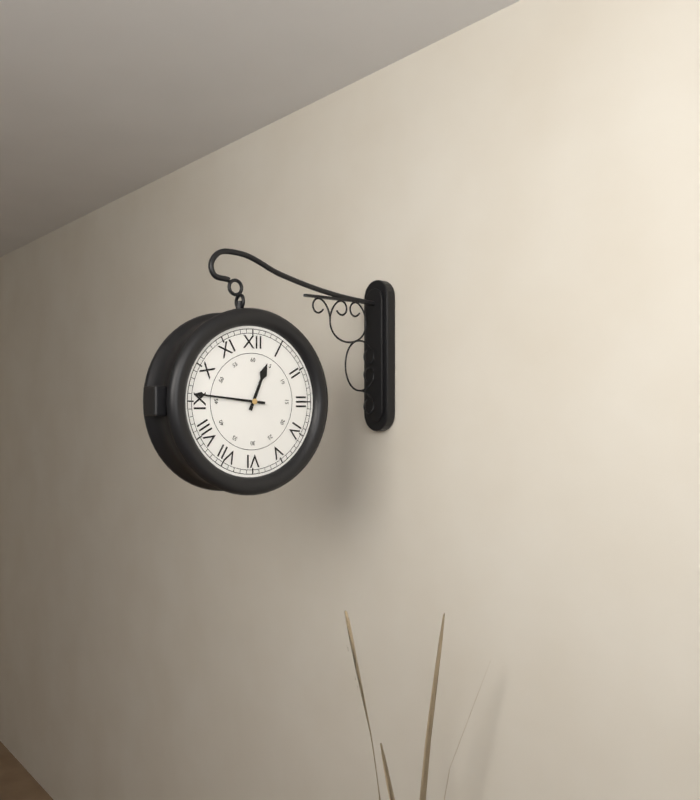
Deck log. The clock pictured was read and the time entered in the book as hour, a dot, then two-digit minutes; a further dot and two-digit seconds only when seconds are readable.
12.46
